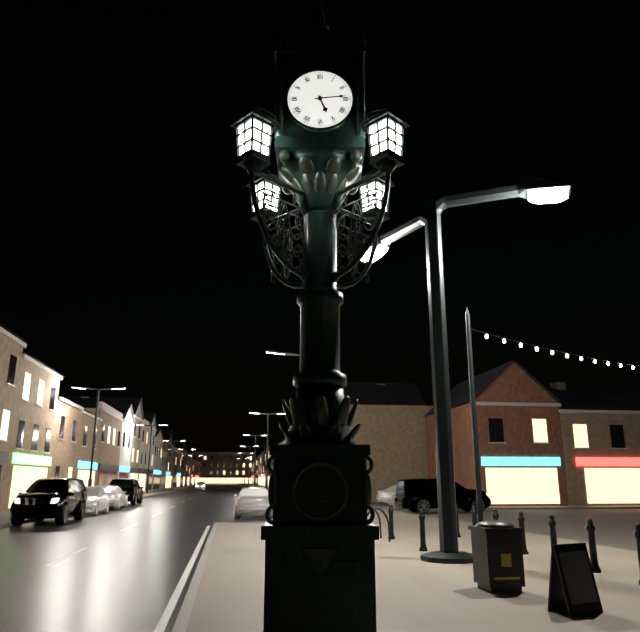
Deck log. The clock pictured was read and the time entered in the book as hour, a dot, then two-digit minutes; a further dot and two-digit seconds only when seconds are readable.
5.14
